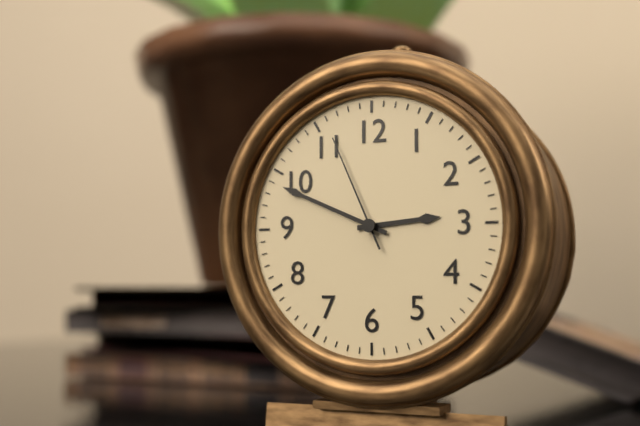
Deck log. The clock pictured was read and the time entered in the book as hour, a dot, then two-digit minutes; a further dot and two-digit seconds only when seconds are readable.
2.49.56
